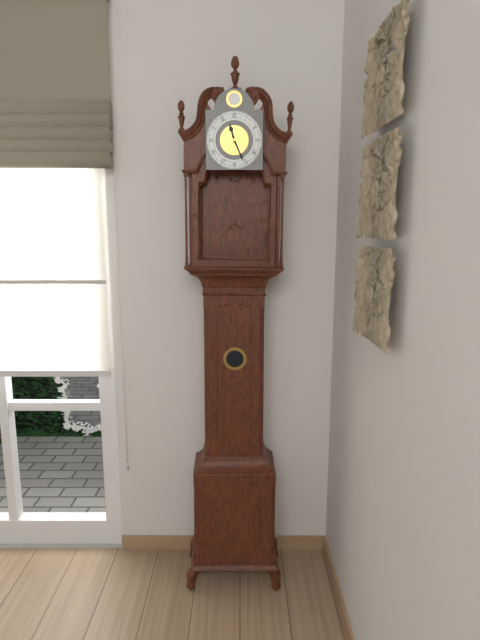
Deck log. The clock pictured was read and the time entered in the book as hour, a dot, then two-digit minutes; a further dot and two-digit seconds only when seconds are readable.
11.26
